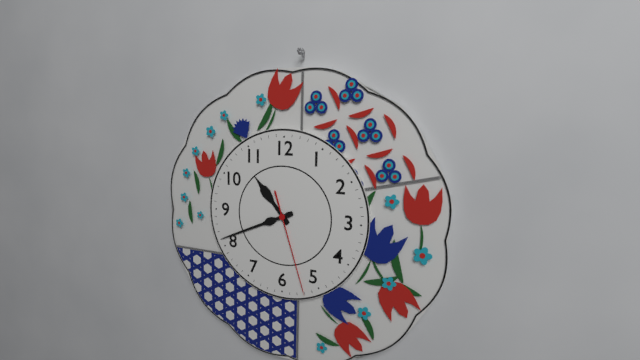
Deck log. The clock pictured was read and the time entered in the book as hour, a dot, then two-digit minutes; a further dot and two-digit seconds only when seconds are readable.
10.41.27
